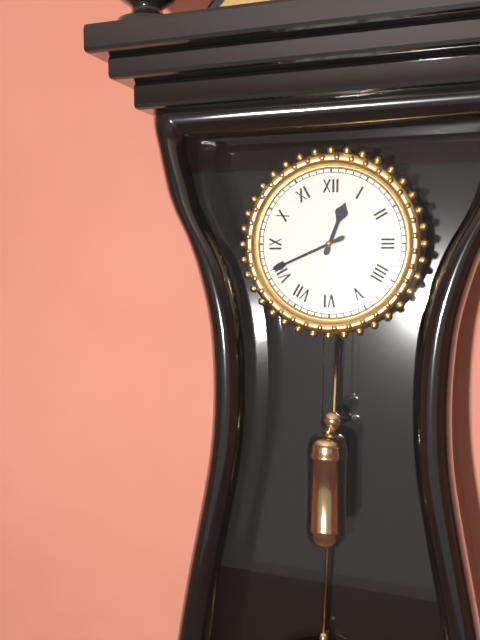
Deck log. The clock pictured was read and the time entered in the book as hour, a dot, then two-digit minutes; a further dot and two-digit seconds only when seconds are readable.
12.41
